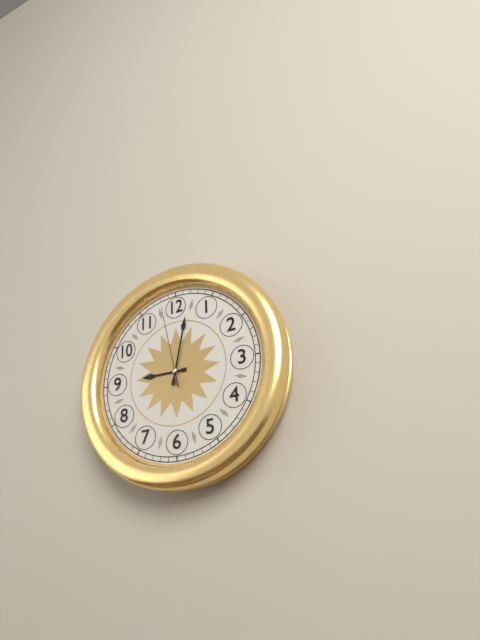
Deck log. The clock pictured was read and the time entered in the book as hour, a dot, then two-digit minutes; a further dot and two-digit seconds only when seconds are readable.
9.02.58
